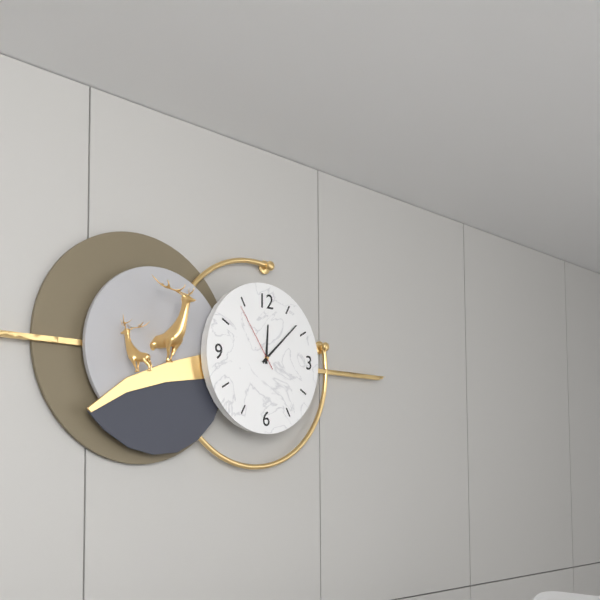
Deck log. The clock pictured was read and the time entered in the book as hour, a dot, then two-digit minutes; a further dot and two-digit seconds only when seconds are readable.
12.08.54
